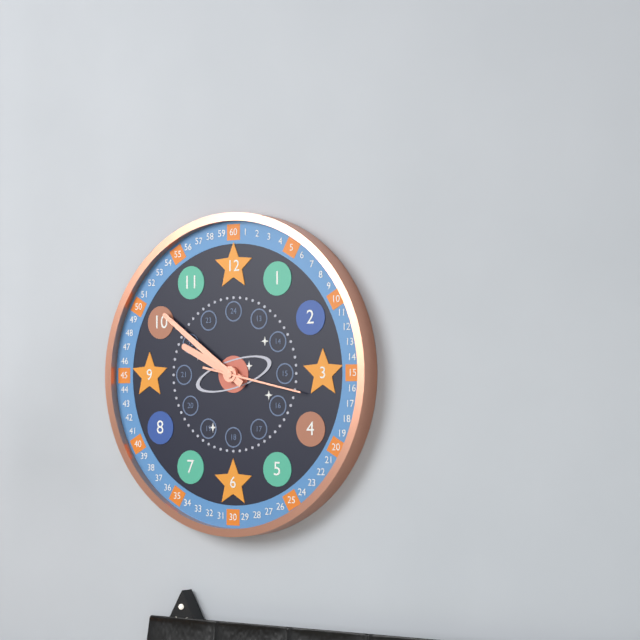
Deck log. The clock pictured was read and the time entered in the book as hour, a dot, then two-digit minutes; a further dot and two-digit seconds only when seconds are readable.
9.51.17
